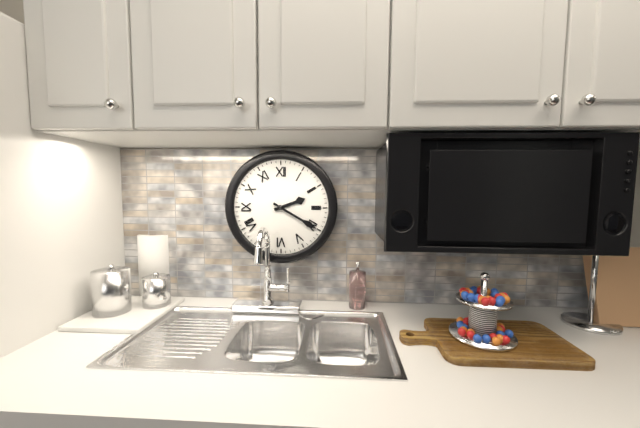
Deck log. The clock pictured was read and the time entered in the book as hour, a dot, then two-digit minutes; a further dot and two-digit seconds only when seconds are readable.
2.20
